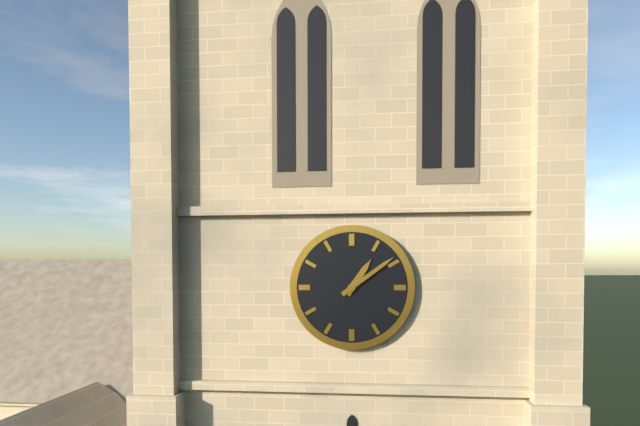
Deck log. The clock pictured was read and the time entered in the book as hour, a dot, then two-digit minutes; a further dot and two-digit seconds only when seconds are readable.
1.09
